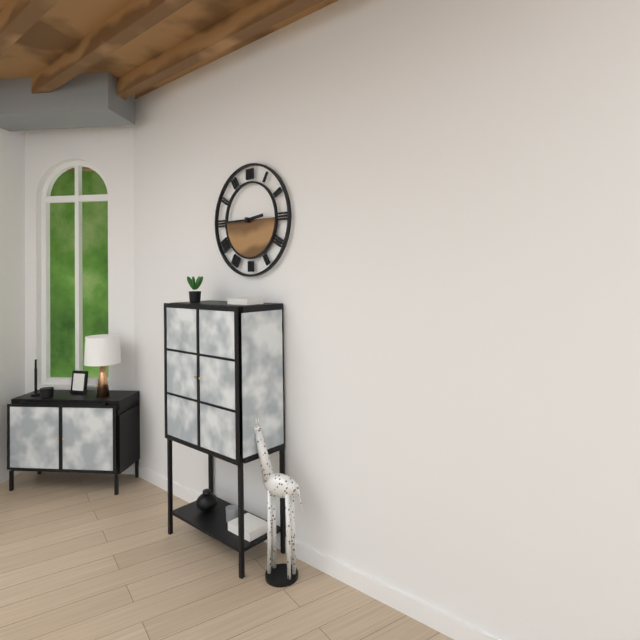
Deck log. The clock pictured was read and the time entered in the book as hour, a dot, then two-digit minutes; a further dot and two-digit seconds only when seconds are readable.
2.45
